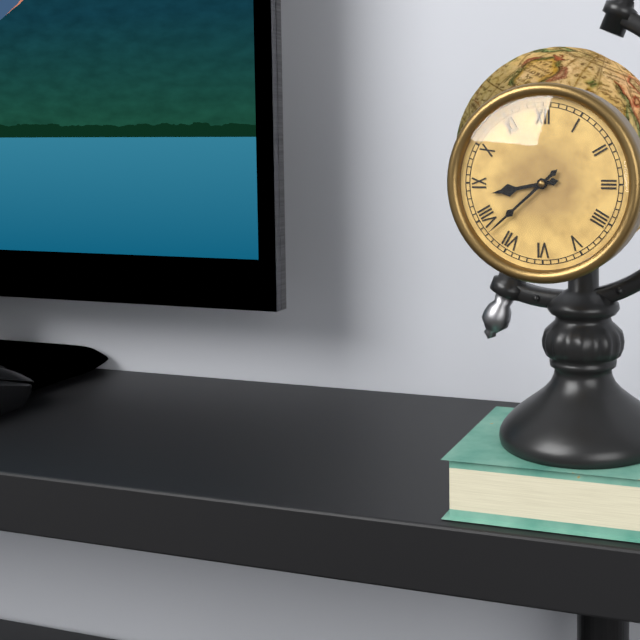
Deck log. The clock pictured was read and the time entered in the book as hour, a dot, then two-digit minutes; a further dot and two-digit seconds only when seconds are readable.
8.38
